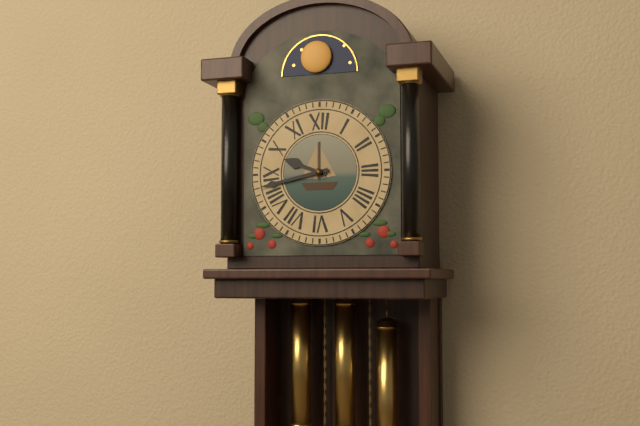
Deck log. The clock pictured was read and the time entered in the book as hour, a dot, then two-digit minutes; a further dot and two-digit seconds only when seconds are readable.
9.43
